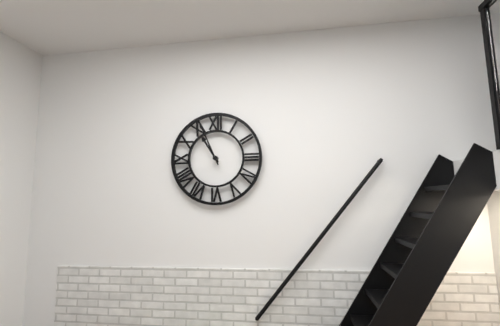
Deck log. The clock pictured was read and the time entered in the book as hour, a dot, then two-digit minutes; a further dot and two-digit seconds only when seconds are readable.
10.56
